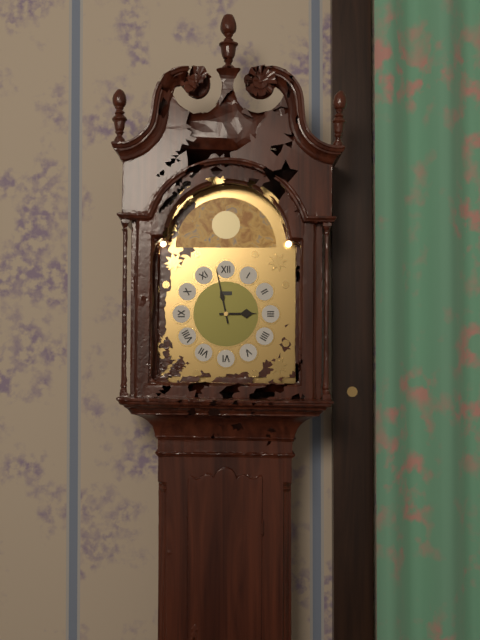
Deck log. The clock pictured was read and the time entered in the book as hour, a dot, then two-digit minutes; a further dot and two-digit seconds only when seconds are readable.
2.58
